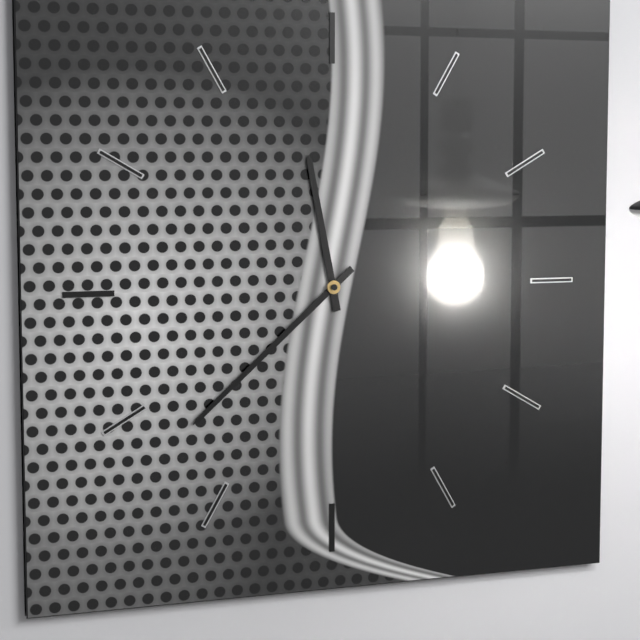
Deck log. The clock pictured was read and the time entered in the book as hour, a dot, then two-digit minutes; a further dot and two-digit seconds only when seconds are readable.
11.38
